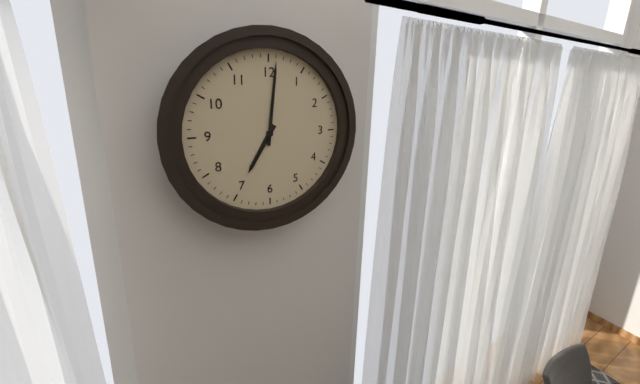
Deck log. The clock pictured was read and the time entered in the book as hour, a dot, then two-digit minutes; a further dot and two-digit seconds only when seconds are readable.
7.01
